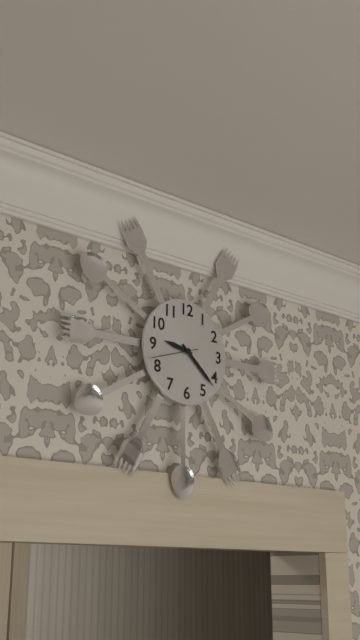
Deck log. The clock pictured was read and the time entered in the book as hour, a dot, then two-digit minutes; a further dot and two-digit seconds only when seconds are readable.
9.22
